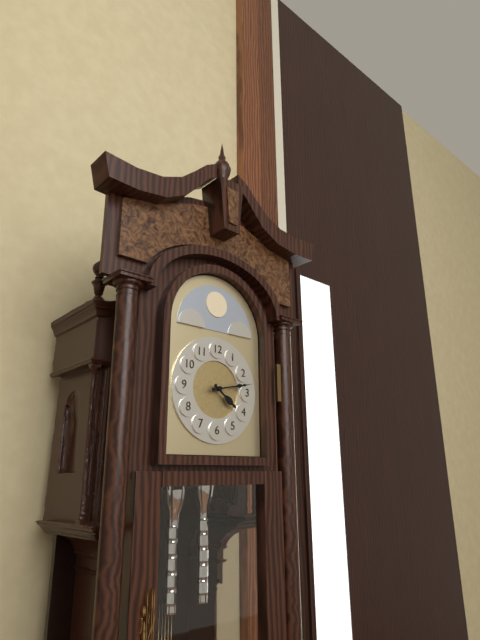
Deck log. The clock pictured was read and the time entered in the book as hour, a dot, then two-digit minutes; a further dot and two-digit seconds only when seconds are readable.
4.13
